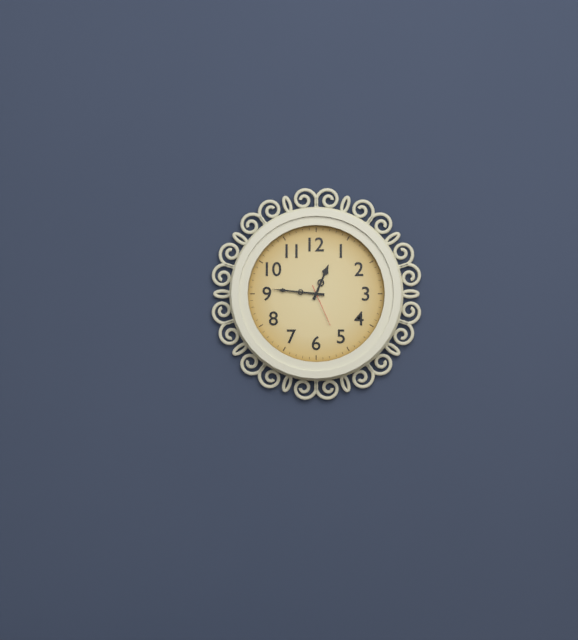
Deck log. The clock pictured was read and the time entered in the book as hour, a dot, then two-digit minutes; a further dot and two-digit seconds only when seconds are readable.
12.46
